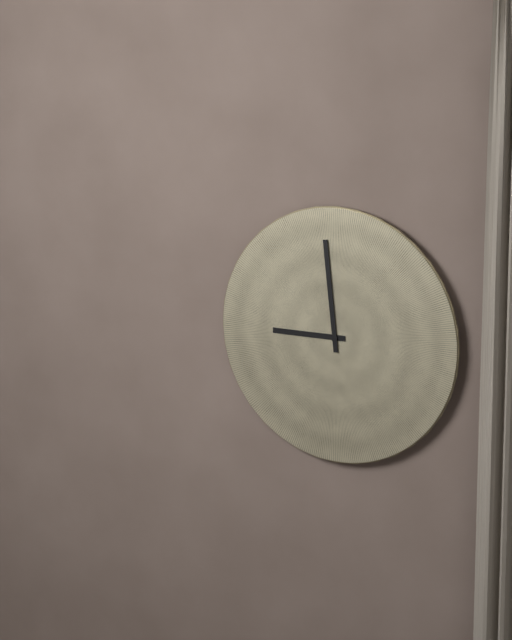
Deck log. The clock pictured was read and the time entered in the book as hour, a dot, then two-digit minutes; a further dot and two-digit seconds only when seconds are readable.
8.59
